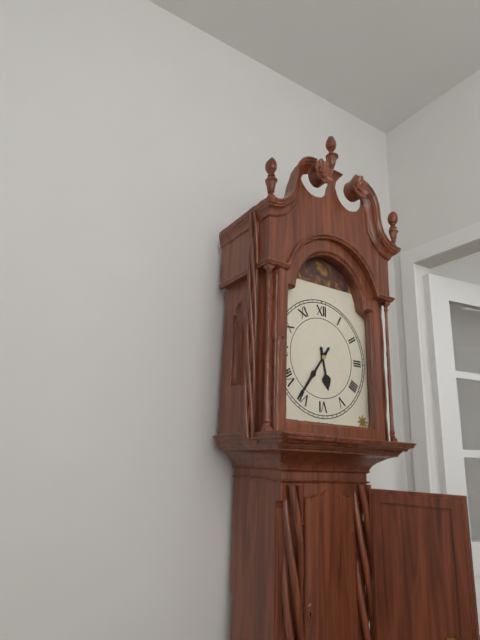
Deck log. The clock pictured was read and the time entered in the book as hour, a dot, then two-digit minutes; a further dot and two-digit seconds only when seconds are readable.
5.36
